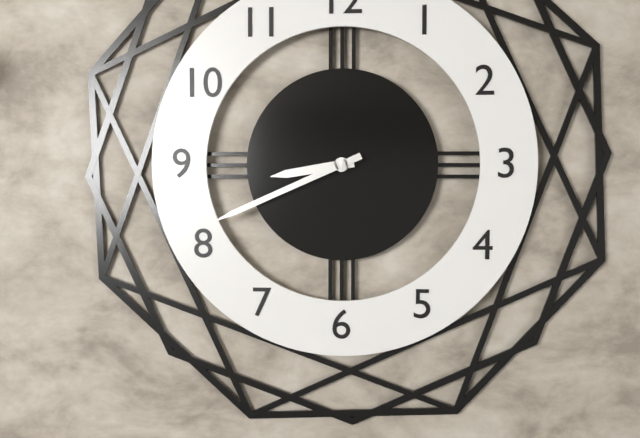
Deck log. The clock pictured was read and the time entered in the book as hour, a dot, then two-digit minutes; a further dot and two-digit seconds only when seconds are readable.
8.41
